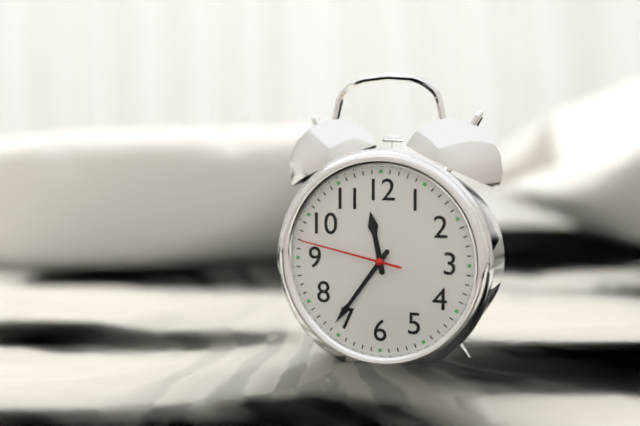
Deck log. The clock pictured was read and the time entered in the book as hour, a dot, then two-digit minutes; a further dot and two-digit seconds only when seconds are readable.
11.36.47
